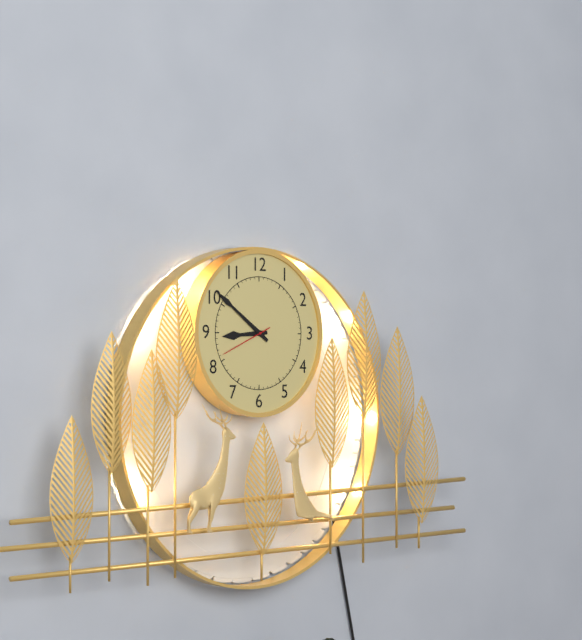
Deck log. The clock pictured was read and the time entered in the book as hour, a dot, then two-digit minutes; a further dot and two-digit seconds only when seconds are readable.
8.51
